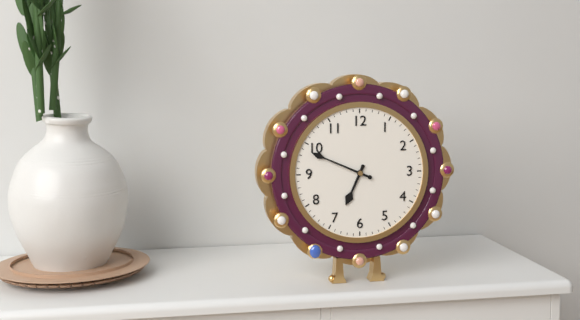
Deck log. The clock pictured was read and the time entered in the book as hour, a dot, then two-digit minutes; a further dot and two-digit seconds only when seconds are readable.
6.49
